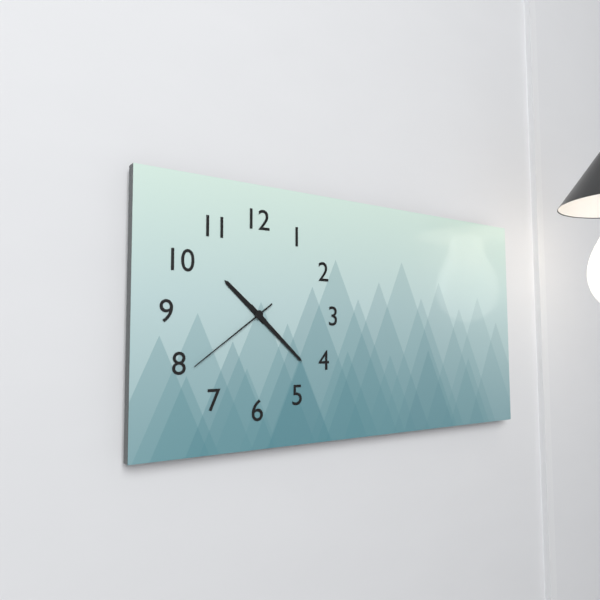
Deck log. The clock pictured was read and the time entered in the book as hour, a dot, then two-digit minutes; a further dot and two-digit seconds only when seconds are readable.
10.22.39
